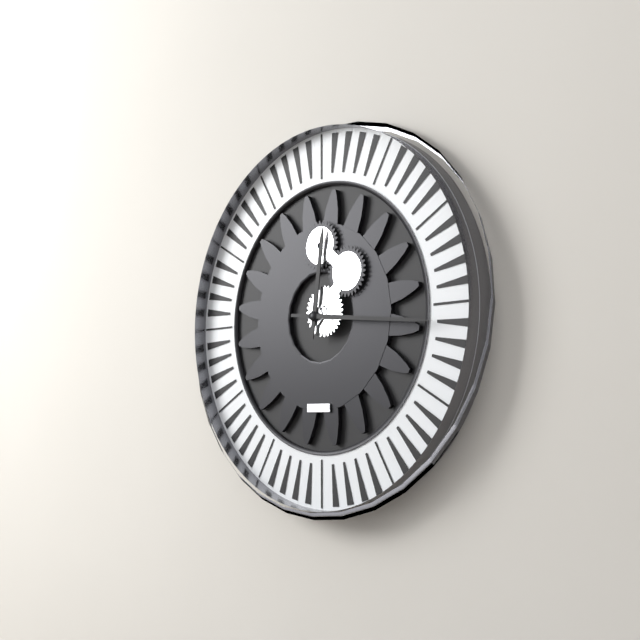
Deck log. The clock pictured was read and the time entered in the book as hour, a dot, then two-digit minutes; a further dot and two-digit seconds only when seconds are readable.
12.16
